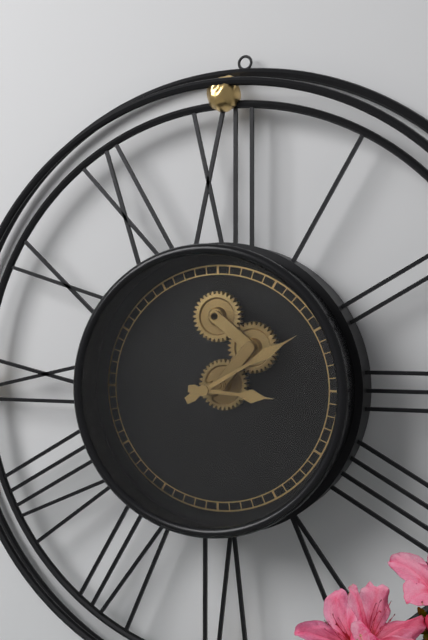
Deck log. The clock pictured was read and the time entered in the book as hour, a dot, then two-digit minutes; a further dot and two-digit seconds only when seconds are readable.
3.10
